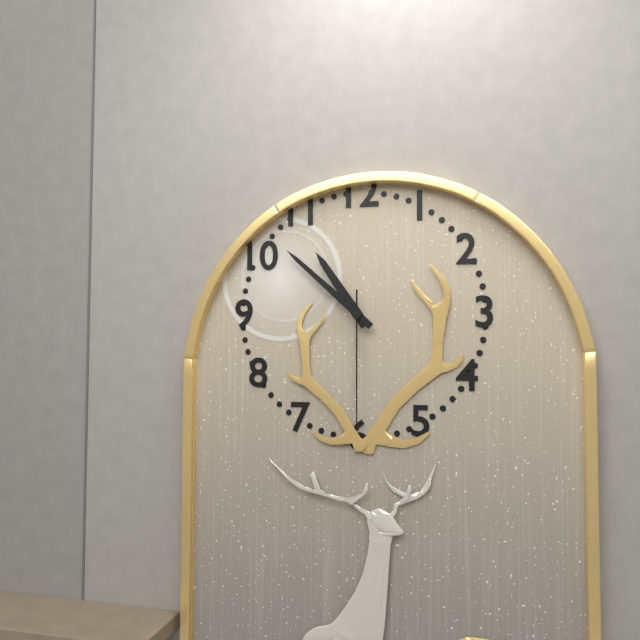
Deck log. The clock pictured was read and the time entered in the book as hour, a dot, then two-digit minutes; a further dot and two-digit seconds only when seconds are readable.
10.52.30
